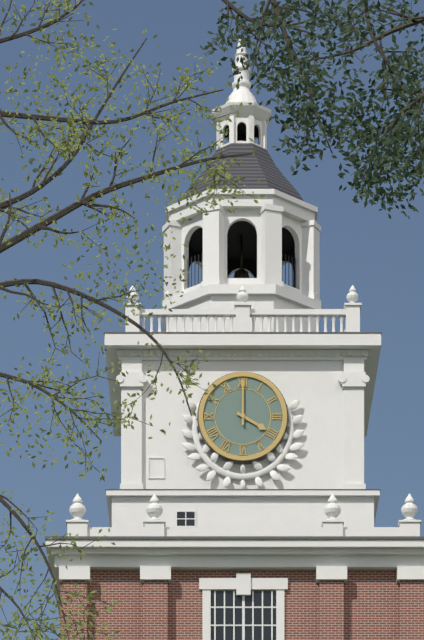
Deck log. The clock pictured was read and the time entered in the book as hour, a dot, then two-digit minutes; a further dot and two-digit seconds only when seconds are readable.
4.00
